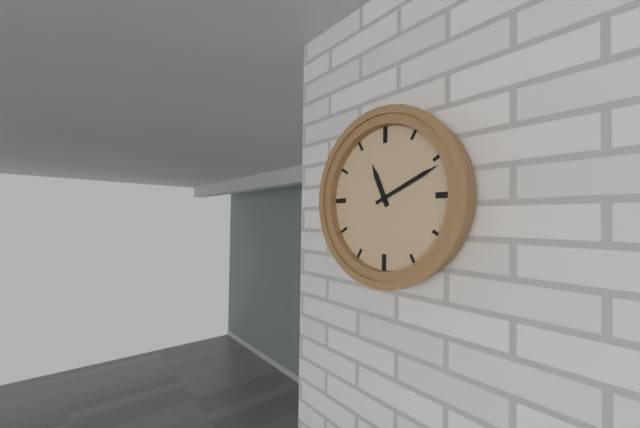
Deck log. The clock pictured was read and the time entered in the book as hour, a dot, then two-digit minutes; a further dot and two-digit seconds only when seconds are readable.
11.11
